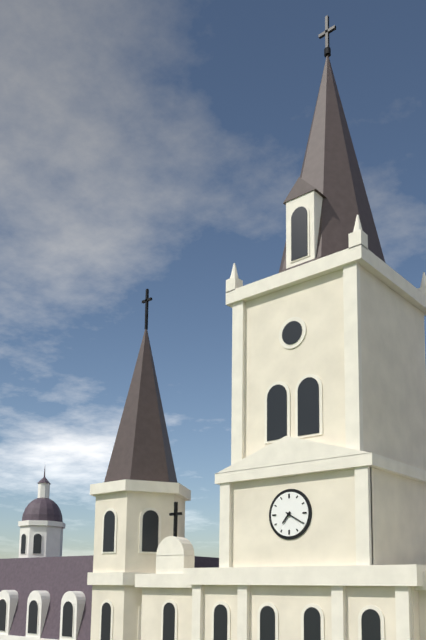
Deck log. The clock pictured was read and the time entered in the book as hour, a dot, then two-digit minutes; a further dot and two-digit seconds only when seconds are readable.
7.20
